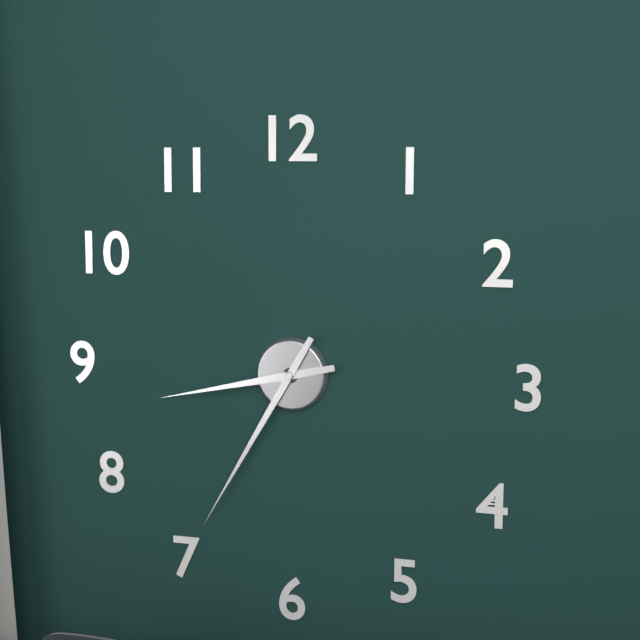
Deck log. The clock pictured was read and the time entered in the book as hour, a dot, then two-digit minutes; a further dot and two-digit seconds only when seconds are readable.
8.35
